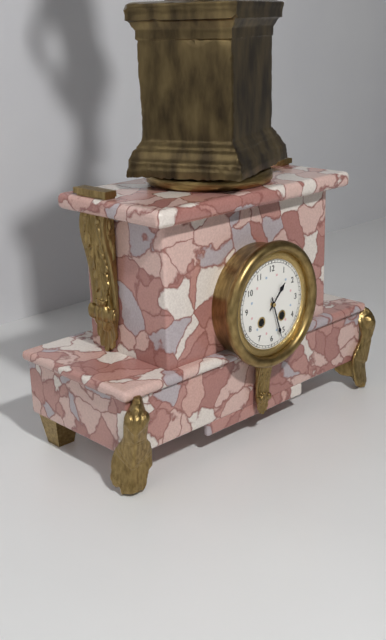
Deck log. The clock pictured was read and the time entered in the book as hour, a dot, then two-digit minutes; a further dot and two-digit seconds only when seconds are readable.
1.27
